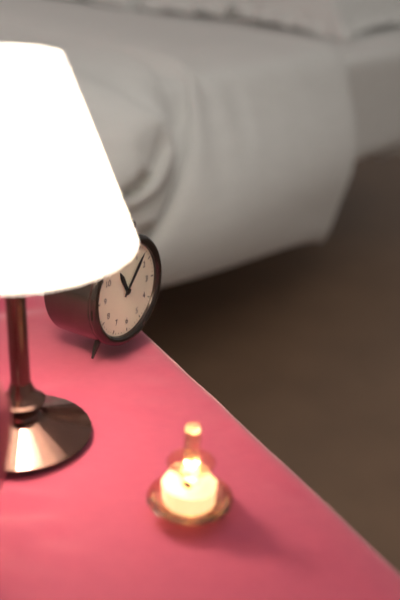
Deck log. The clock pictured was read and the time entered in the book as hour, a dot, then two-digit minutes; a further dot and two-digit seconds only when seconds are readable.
11.07
